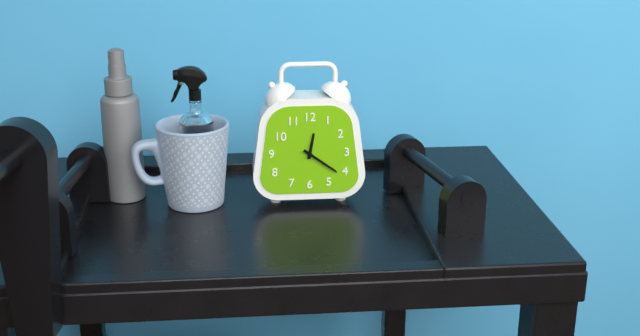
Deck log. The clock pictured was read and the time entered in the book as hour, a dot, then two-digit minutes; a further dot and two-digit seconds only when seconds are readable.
12.21
